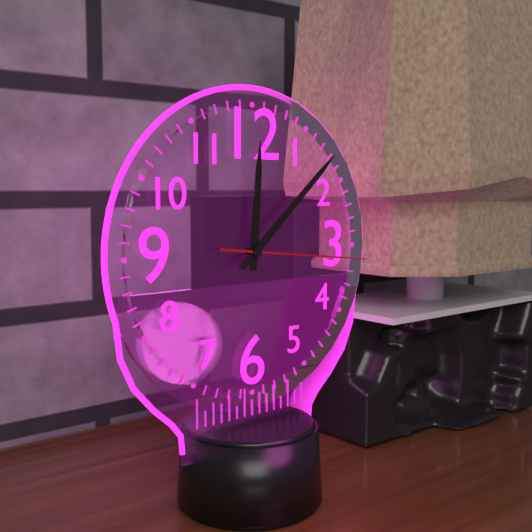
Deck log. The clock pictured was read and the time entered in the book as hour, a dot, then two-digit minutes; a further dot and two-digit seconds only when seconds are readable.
12.08.16
